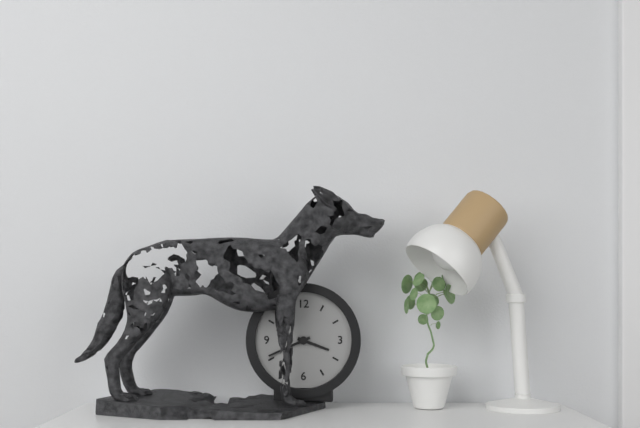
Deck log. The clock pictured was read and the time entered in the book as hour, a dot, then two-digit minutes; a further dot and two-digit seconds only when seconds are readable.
3.41
